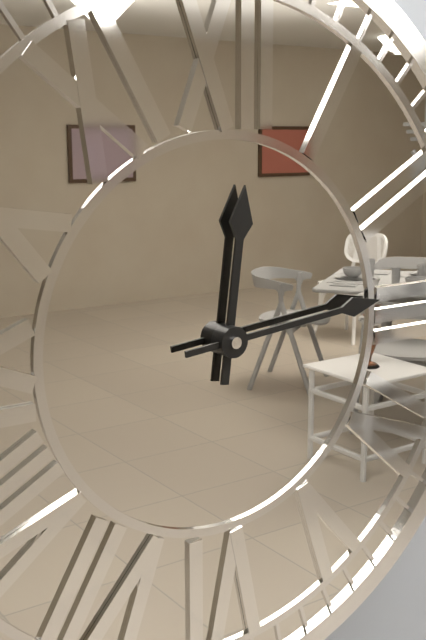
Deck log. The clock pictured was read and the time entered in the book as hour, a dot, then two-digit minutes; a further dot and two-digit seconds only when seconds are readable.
12.14
